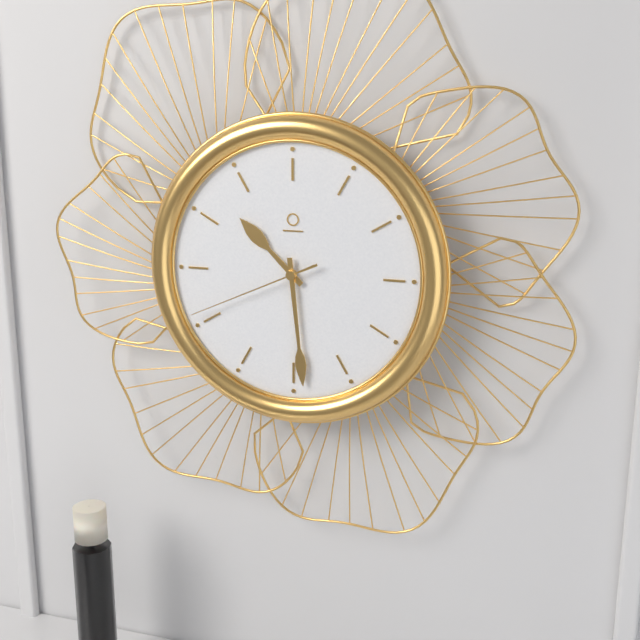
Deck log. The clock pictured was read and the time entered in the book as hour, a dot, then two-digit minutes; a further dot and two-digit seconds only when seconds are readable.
10.29.41
